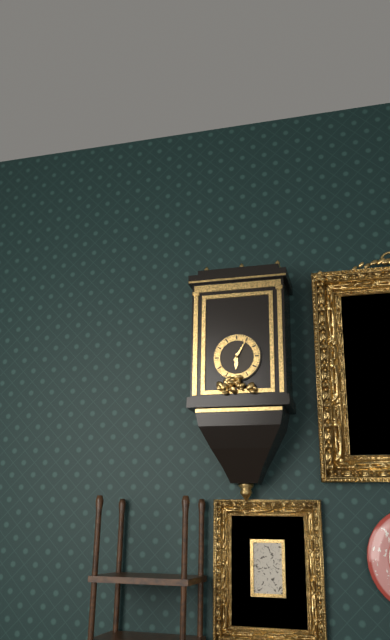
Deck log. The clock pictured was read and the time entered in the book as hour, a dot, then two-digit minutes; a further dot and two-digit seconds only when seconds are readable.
6.05
